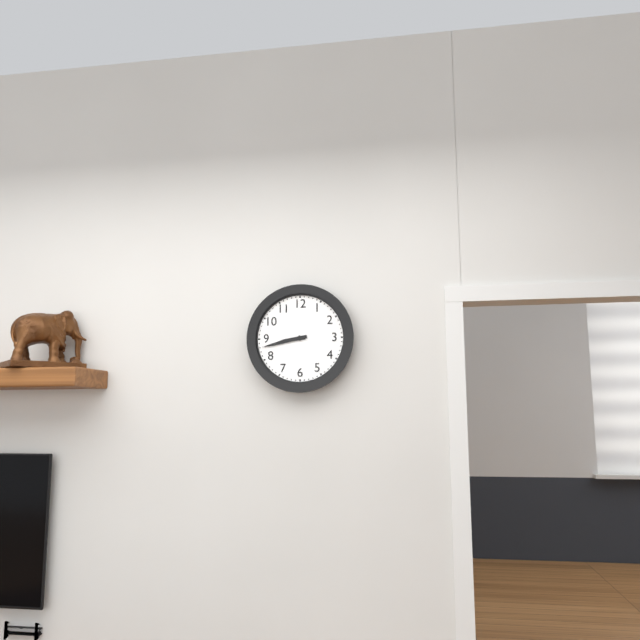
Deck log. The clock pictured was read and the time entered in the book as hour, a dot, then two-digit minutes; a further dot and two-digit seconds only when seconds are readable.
8.43
